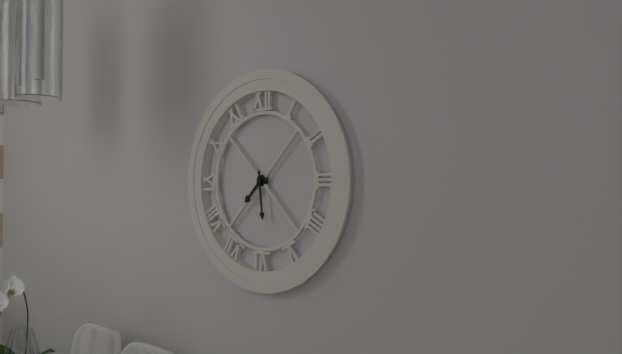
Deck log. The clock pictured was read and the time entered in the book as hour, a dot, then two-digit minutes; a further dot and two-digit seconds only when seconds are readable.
7.29
